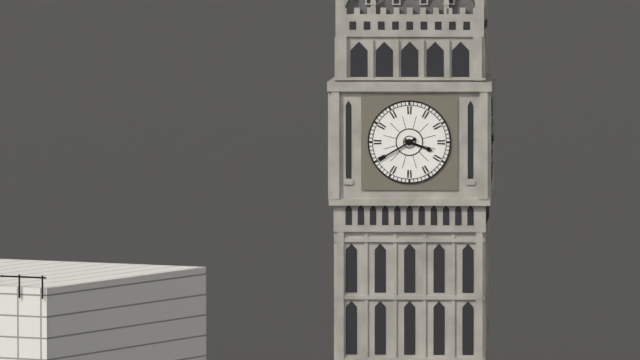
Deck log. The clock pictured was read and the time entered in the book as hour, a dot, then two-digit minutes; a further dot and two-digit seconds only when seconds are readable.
3.40
